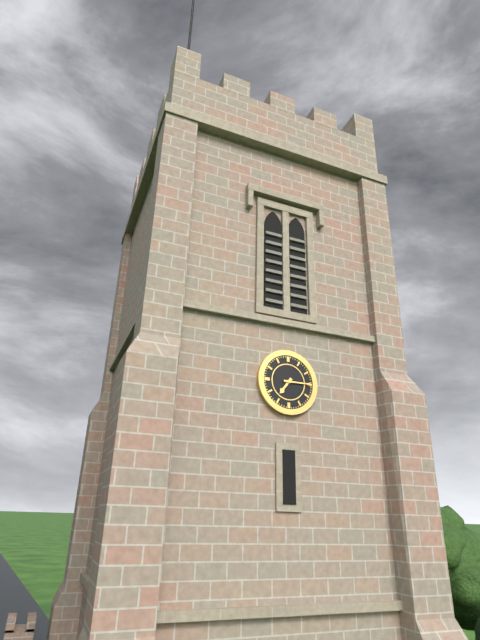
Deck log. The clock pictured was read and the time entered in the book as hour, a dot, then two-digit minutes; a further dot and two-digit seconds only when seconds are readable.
7.15
